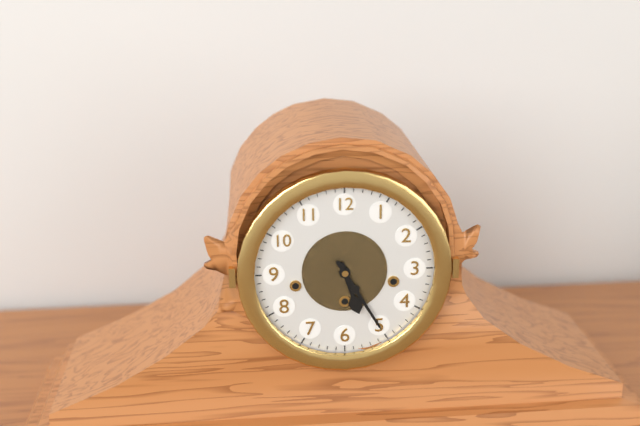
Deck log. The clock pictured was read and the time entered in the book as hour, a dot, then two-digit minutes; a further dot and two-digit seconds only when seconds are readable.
5.25
